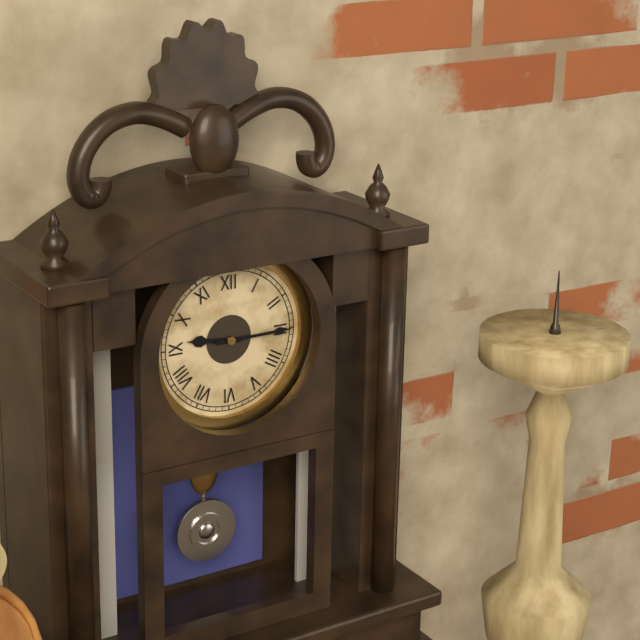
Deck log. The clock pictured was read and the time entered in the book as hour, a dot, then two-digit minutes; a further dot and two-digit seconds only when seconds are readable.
9.15
